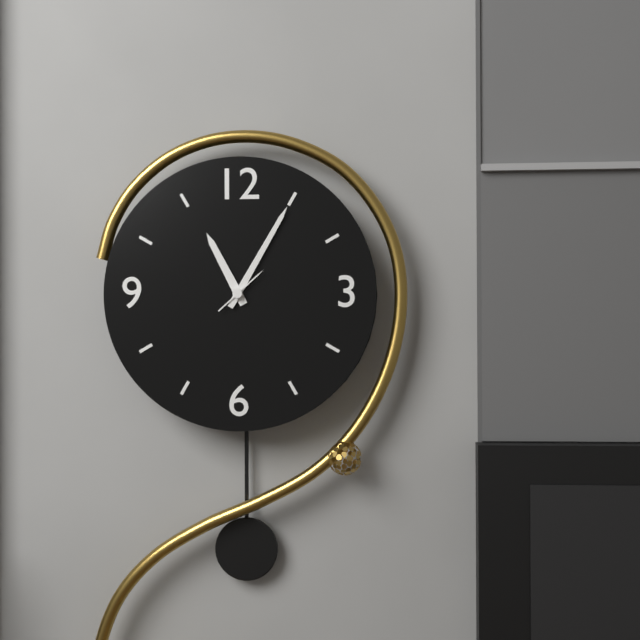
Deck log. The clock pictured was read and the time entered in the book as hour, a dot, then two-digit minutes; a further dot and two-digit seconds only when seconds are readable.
11.05
